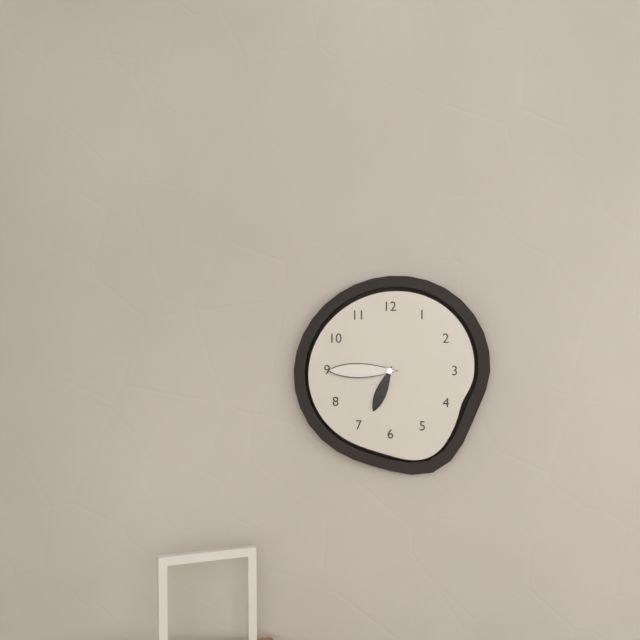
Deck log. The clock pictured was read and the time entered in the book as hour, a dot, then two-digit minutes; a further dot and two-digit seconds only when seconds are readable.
6.45
